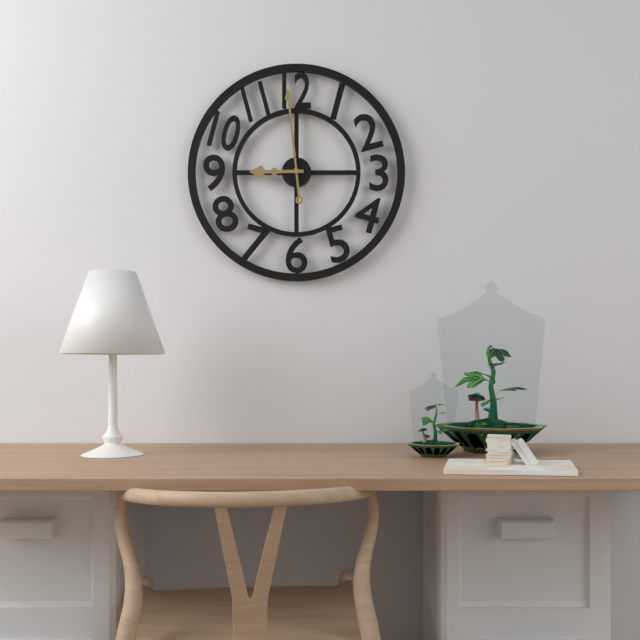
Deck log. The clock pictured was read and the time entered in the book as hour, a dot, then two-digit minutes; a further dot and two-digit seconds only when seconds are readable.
8.59
